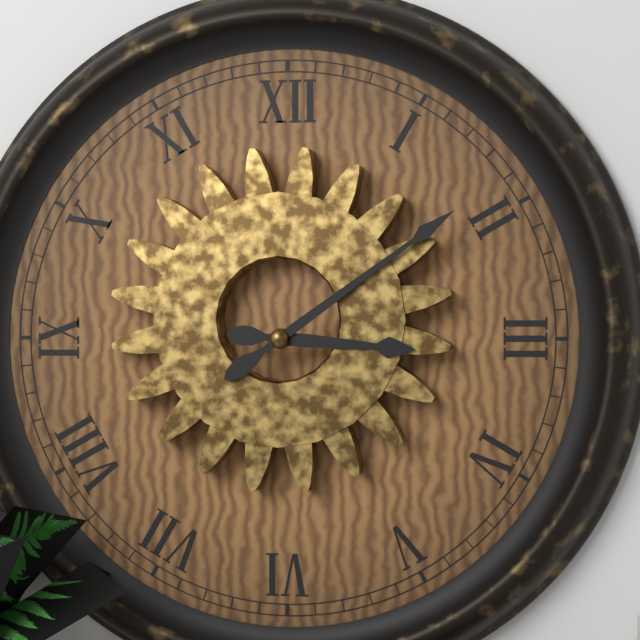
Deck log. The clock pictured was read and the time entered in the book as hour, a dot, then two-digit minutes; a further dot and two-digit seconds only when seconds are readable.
3.09
